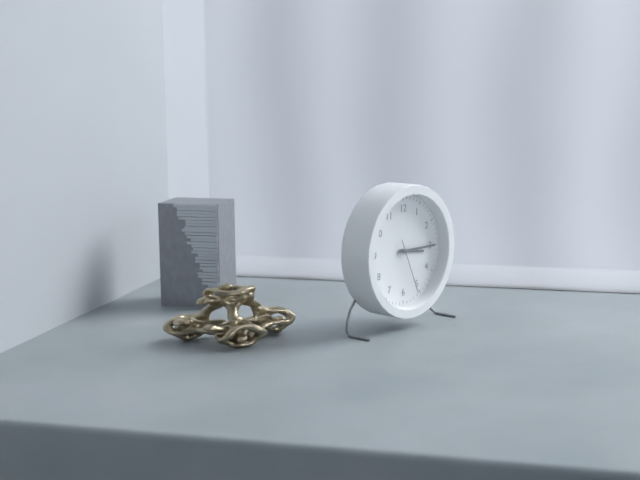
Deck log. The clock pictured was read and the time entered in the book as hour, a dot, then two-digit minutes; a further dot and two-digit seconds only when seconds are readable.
3.15.26
